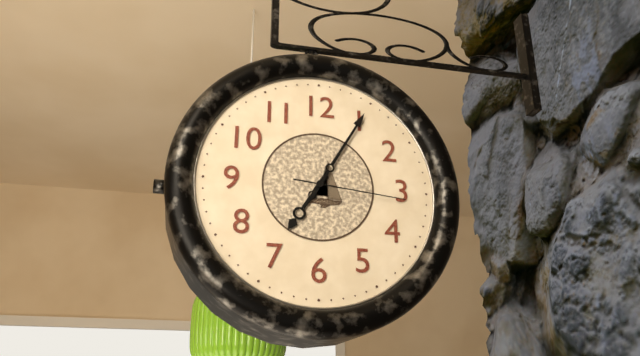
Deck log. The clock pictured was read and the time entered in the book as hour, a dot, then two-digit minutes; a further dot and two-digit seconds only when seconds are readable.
7.05.16
